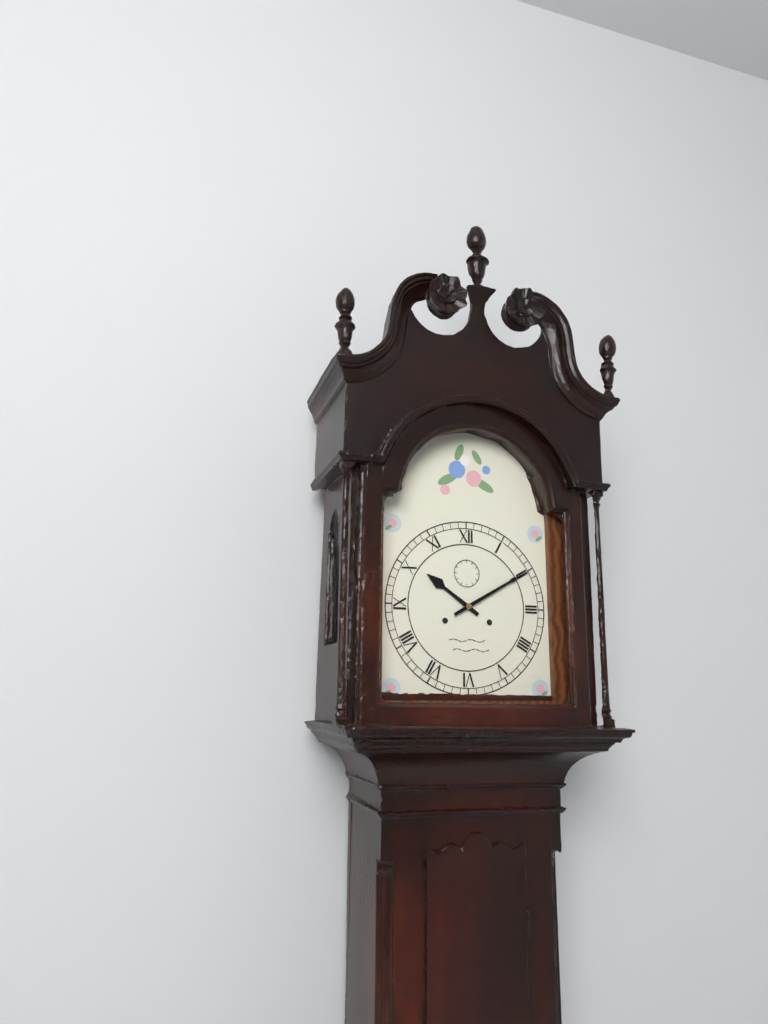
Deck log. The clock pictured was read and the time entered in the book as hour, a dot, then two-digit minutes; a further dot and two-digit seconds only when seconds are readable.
10.10
